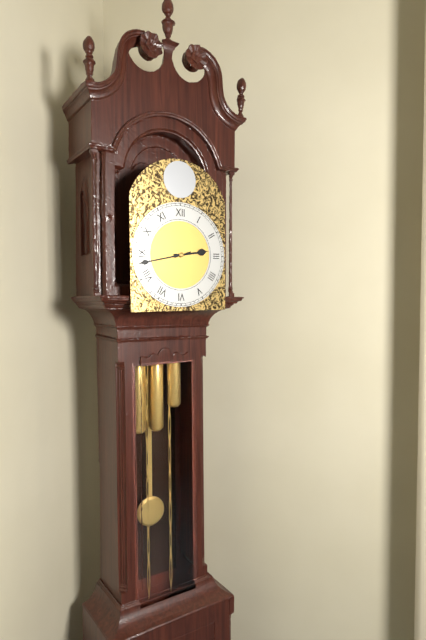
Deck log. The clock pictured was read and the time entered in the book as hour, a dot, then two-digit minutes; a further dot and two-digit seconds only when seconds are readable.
2.43
